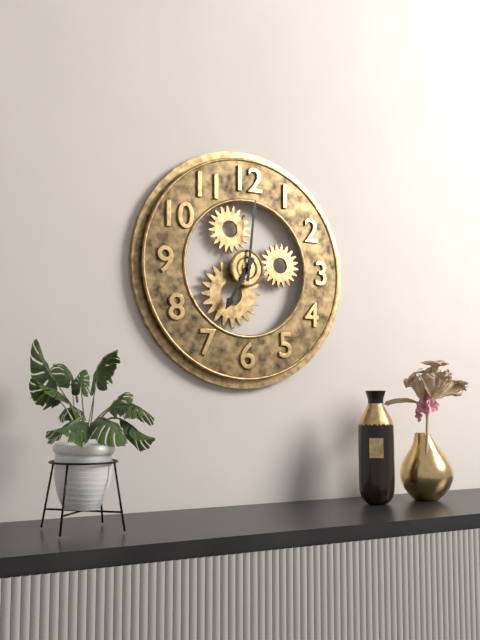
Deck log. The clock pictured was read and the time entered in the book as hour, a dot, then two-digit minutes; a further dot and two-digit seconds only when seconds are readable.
7.01
